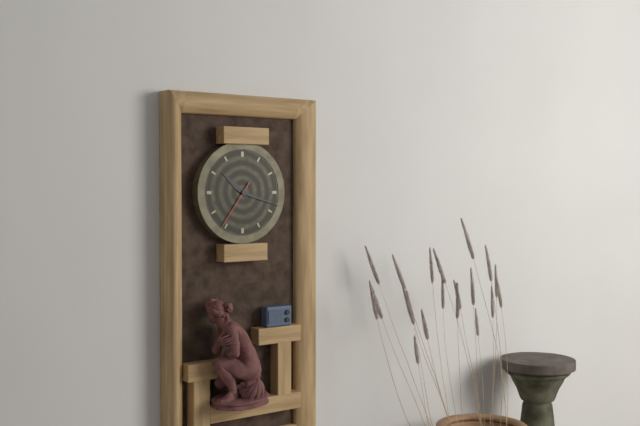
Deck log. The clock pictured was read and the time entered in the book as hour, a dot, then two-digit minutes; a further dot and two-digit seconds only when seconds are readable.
10.18.36
